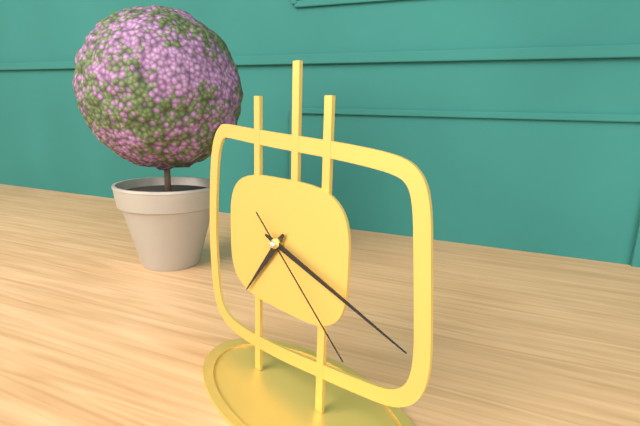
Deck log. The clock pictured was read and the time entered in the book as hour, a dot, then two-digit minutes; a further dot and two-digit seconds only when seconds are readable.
7.18.22
